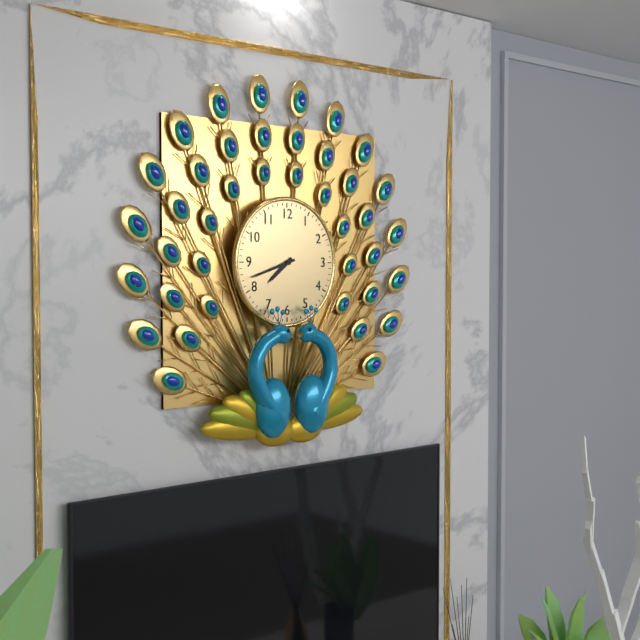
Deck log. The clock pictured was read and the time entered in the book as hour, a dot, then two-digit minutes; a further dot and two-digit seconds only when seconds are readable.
7.42
